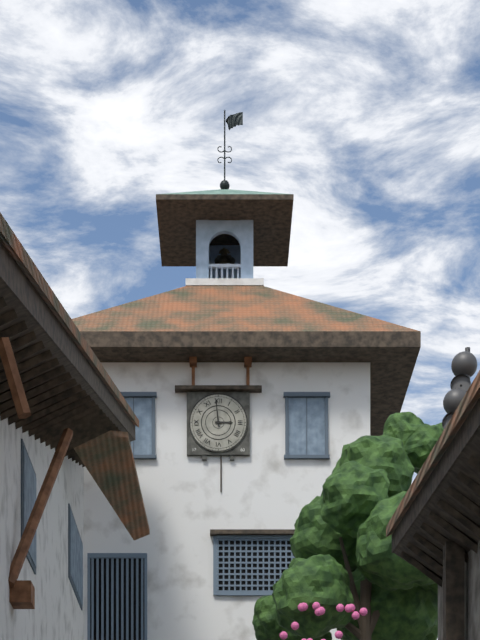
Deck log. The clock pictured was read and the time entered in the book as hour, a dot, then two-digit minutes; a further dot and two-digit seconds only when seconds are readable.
2.59
